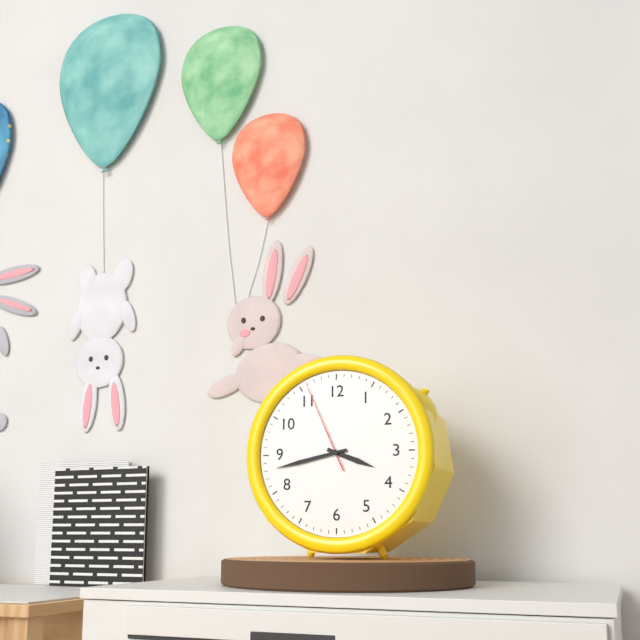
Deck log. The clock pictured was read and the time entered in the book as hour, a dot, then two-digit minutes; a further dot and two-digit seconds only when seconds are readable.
3.43.56
